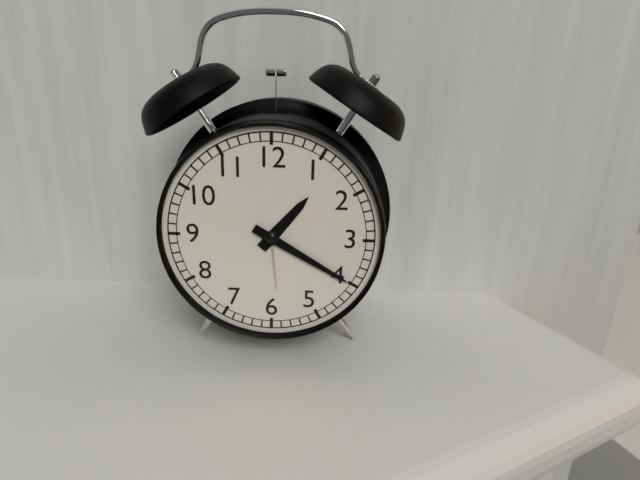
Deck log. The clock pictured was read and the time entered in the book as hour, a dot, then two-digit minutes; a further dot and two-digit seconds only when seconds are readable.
1.20
